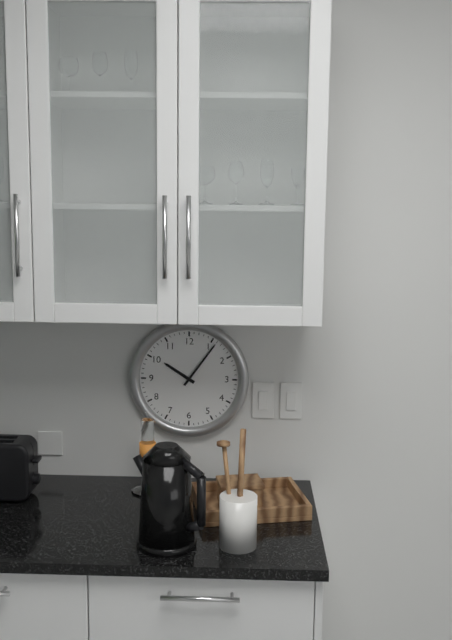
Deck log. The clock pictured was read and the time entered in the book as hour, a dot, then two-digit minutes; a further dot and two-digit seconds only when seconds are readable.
10.06
